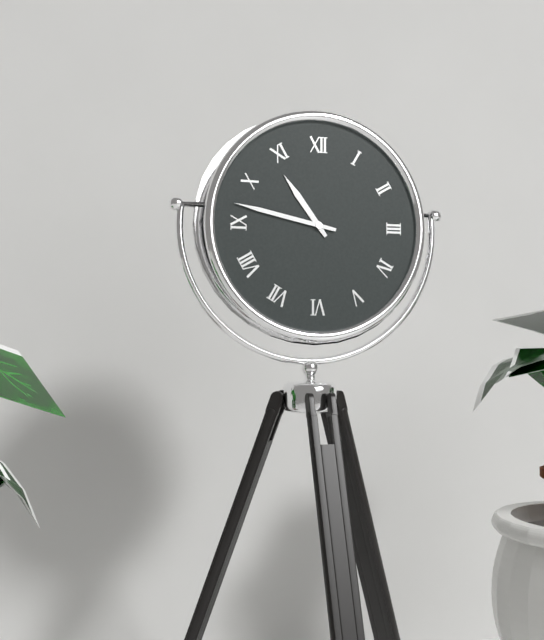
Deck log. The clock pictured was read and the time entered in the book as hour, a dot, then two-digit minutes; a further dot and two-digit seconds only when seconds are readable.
10.47
